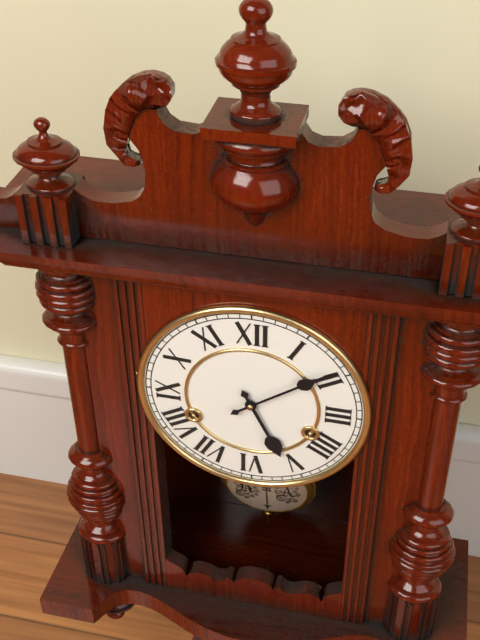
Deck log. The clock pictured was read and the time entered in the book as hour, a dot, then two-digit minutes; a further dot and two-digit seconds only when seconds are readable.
5.09
